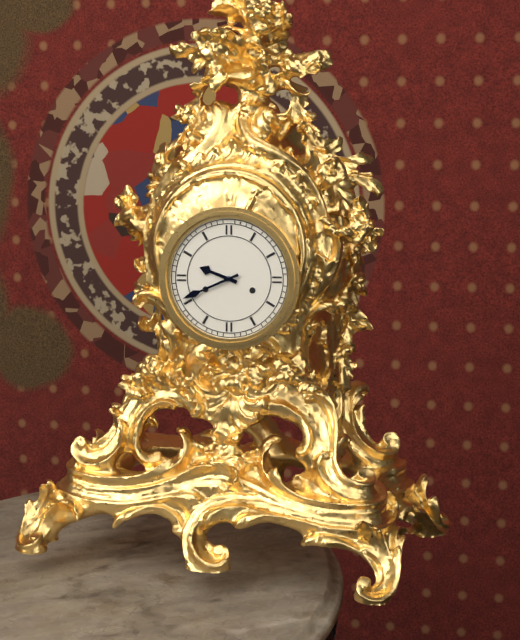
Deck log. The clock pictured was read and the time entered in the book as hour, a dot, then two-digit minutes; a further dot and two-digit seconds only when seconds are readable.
9.41
